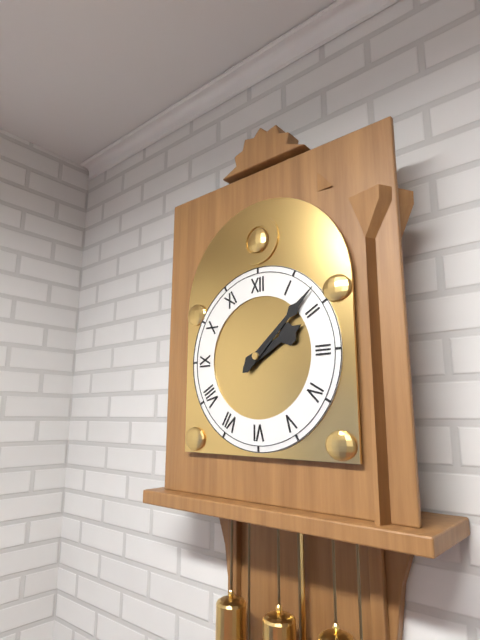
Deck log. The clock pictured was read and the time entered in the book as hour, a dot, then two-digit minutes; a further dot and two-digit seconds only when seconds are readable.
2.08
